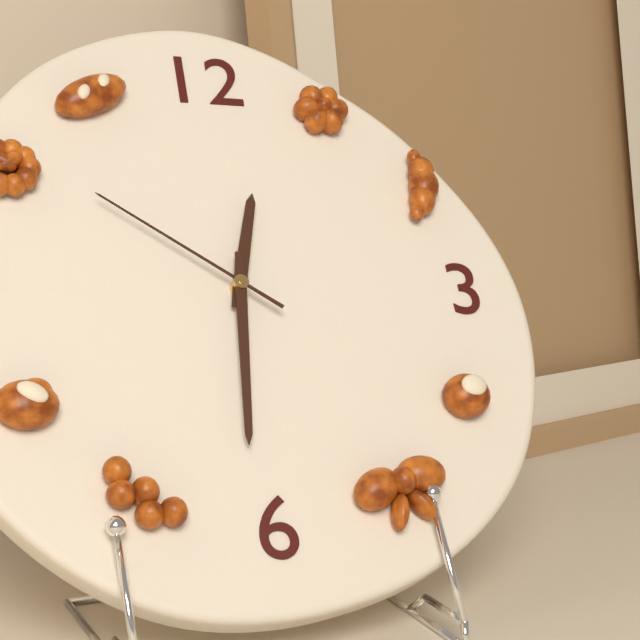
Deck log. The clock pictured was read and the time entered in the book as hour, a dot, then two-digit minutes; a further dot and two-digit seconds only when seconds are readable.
12.31.51
